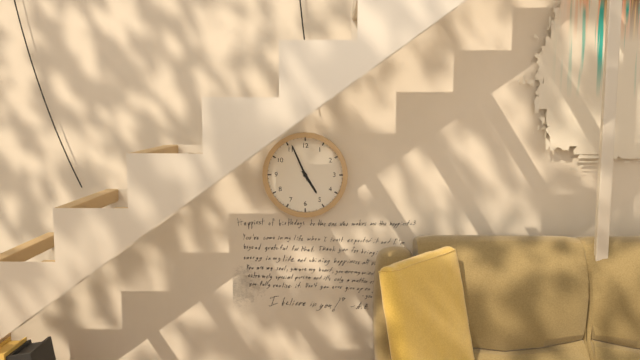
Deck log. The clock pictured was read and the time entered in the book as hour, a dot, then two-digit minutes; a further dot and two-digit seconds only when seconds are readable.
4.56
